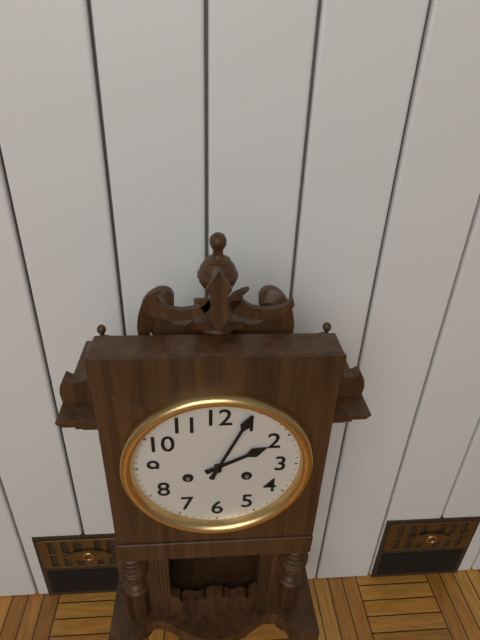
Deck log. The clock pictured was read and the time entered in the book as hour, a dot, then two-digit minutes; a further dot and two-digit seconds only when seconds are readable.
2.04
